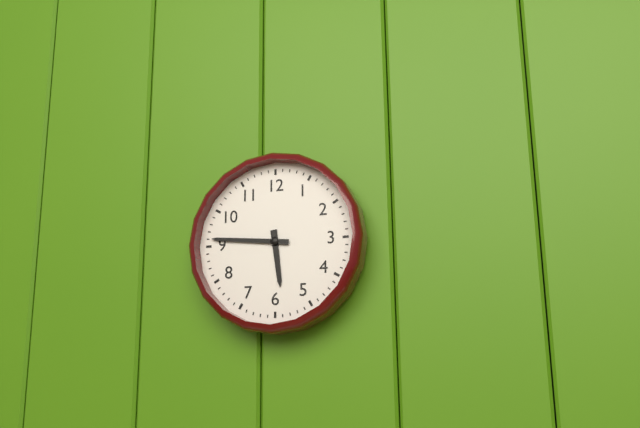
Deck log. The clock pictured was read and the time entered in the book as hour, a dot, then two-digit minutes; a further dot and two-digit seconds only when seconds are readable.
5.46
